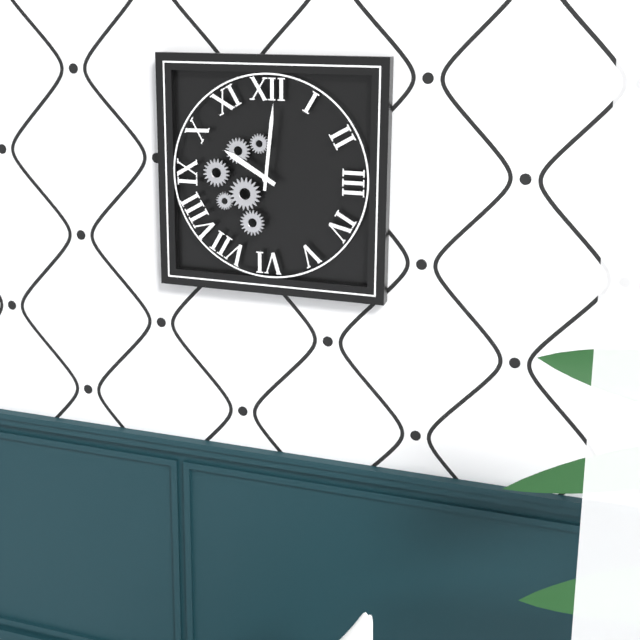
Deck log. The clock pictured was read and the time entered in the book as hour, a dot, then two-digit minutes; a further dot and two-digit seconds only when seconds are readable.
10.01
